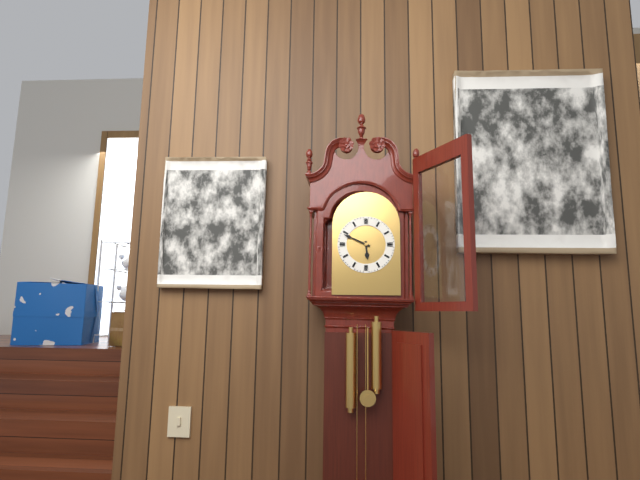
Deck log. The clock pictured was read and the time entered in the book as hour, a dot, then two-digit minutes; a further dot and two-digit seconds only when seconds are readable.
5.49
